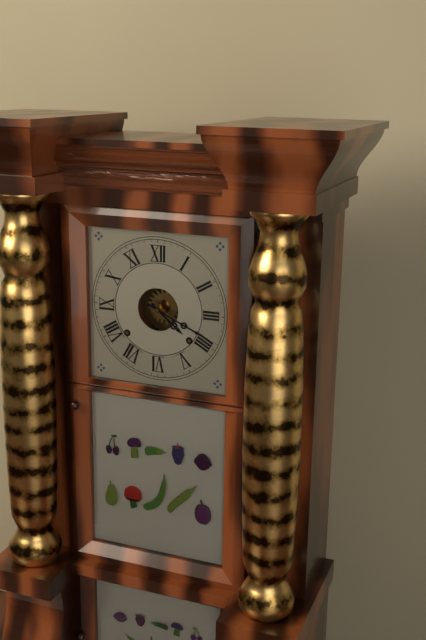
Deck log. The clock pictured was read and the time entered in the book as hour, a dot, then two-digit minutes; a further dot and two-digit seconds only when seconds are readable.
4.19
